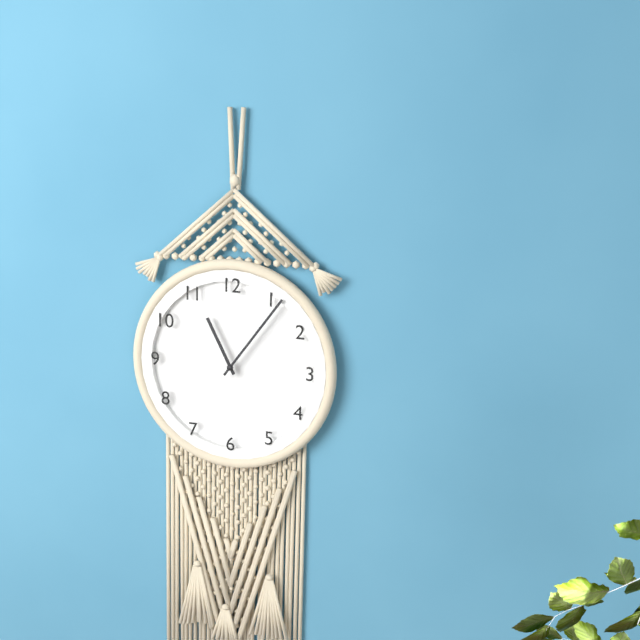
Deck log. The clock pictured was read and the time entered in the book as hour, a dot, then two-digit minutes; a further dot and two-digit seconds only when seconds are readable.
11.06
